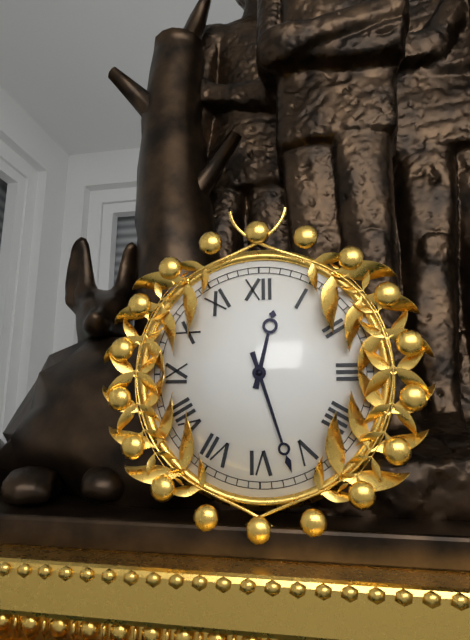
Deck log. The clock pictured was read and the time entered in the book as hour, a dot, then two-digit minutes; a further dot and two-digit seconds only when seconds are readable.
12.27
